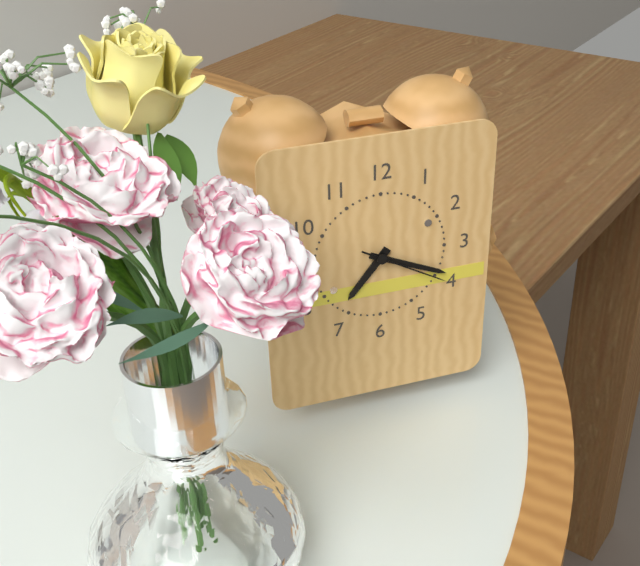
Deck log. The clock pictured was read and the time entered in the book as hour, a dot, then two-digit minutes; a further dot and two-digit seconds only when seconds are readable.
7.19.20
